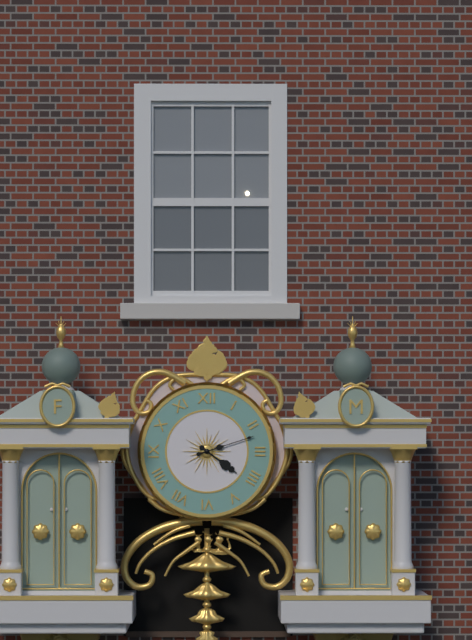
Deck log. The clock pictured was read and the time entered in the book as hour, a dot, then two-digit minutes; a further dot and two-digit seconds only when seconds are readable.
4.12
